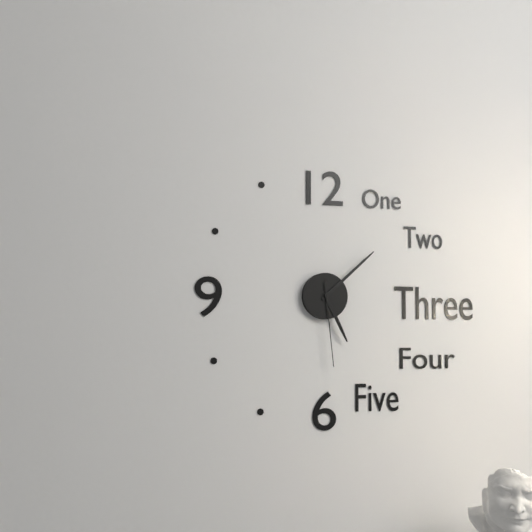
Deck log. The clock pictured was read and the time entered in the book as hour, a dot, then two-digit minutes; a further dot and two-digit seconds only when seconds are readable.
5.08.29
